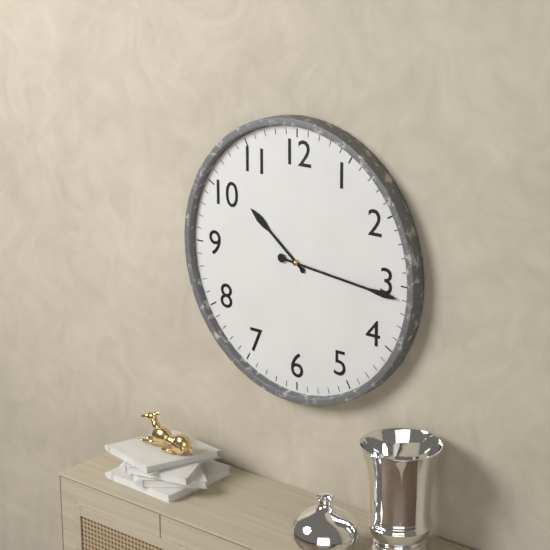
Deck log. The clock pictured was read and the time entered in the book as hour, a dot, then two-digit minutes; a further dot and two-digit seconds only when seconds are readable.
10.16
